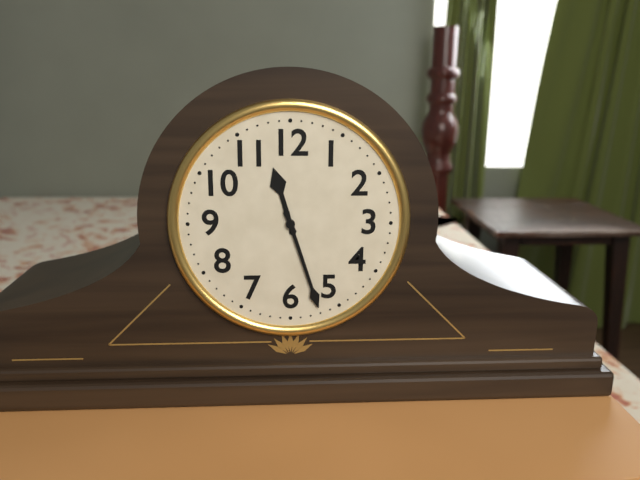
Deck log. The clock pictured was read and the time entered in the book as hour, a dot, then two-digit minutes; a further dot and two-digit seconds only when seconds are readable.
11.27
